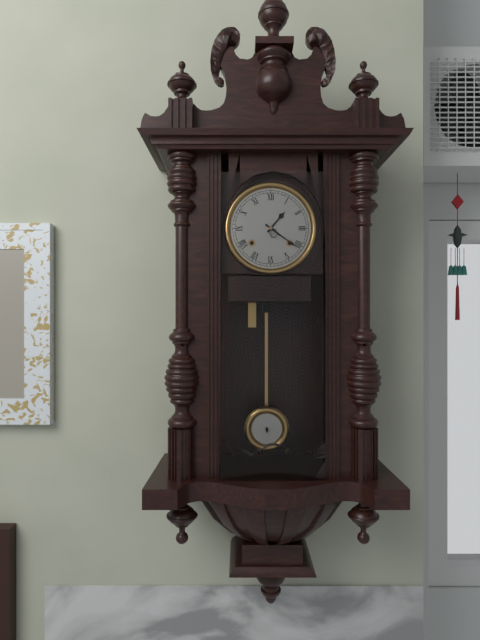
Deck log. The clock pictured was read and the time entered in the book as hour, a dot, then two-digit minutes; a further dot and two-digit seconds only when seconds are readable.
1.21
